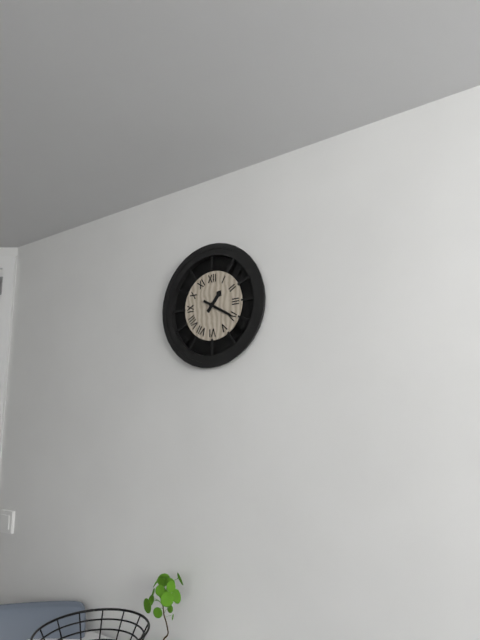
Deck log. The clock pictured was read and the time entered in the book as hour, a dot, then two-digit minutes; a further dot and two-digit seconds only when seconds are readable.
1.20
